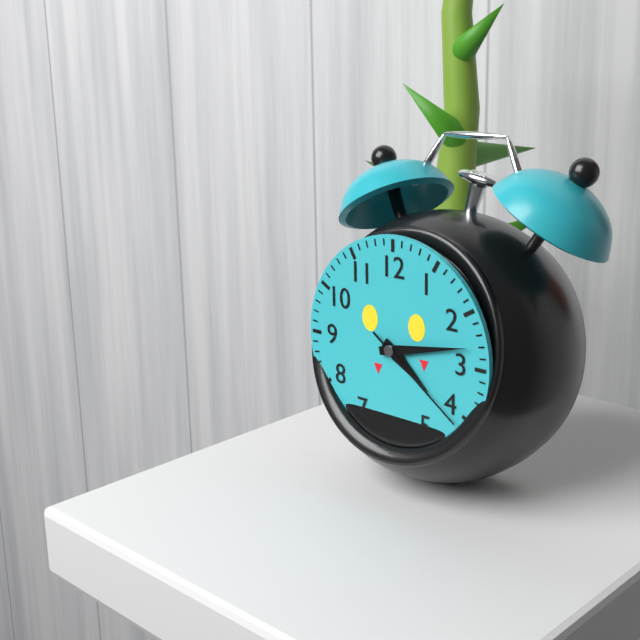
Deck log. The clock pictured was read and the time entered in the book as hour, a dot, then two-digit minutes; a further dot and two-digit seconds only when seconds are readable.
4.13.21
